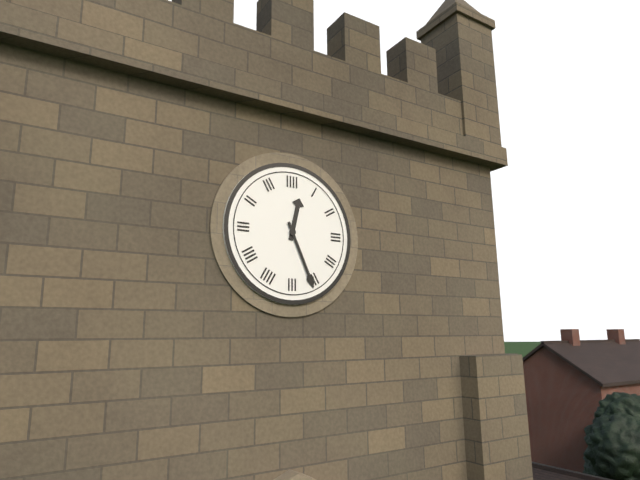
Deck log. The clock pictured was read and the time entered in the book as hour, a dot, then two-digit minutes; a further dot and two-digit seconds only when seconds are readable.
12.26
